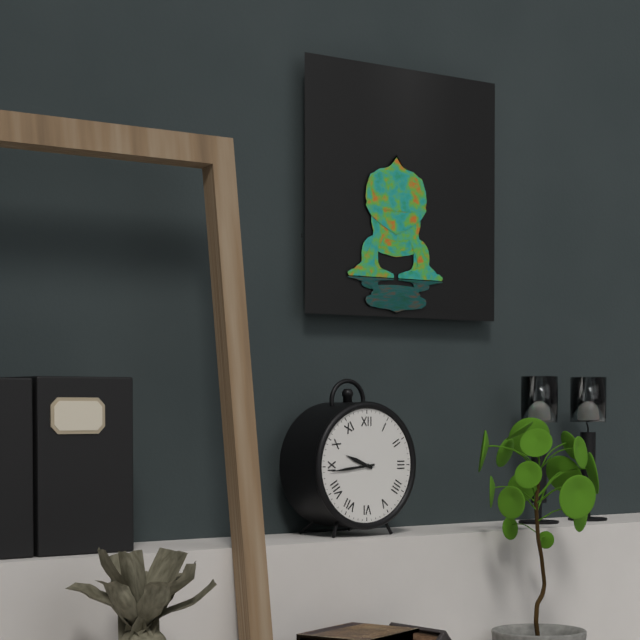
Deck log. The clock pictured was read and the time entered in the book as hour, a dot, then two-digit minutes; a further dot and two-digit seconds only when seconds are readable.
9.44
